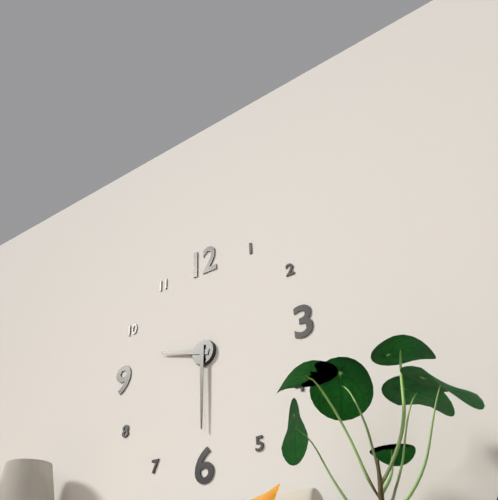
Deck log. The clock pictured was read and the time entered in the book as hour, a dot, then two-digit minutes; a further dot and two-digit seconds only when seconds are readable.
9.30
